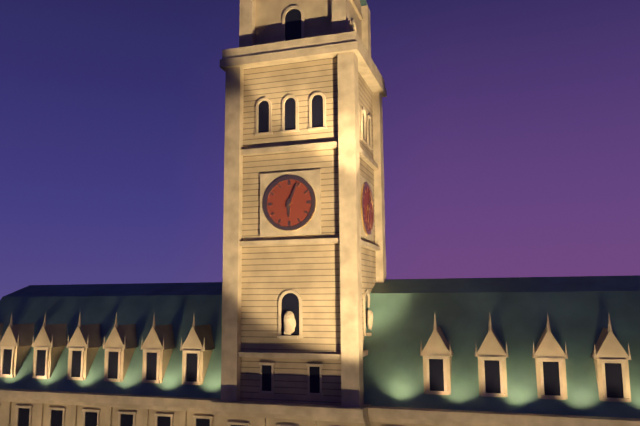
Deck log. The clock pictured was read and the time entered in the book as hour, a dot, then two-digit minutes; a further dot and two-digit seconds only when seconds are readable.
6.04
